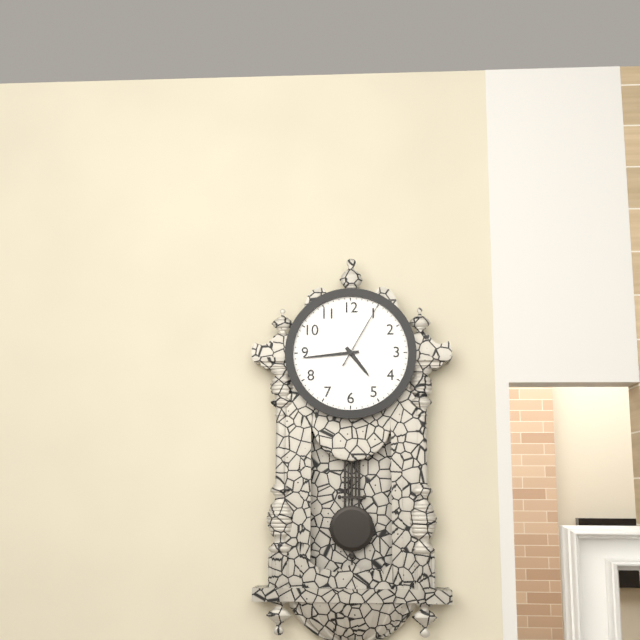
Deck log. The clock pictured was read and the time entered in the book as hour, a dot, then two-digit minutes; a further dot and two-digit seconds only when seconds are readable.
4.44.05
